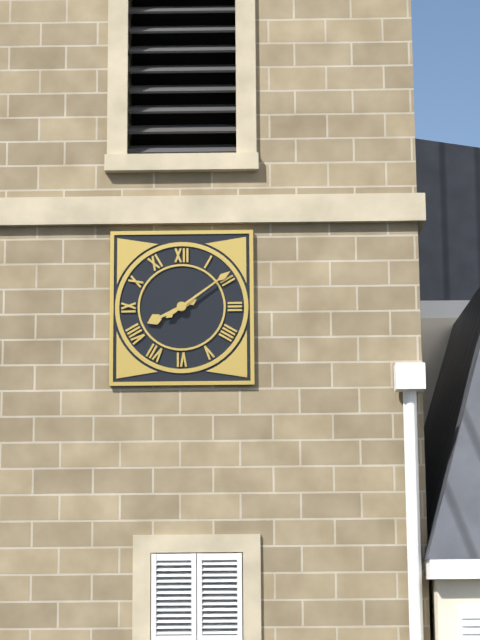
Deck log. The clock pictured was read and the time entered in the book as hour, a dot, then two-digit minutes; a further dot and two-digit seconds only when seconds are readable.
8.09
